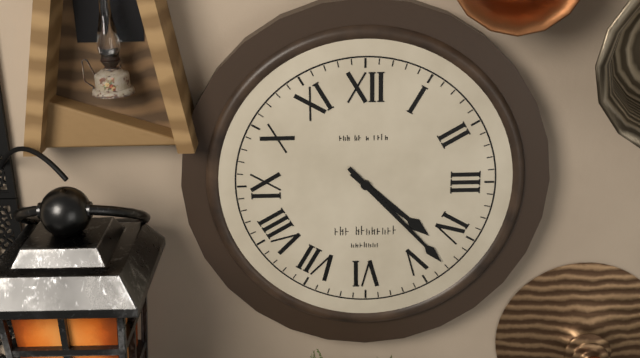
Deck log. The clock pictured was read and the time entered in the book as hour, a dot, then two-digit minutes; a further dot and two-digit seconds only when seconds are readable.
4.23
